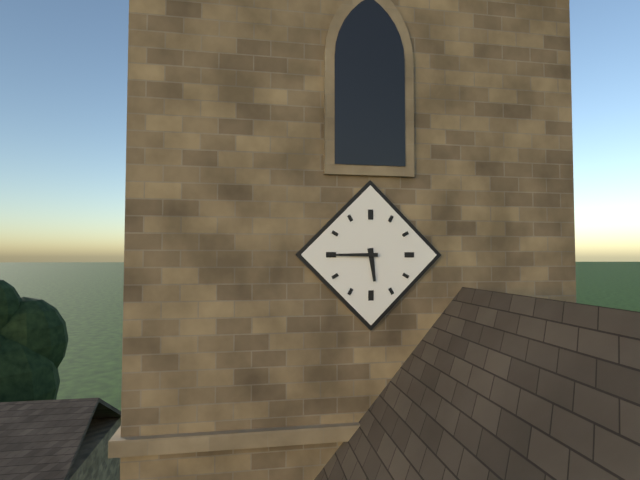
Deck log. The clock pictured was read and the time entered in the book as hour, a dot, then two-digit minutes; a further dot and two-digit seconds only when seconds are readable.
5.45
